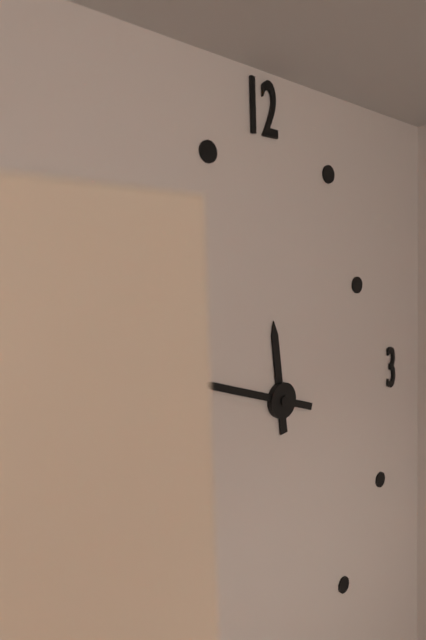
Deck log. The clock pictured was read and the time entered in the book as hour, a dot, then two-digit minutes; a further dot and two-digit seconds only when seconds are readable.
11.48
